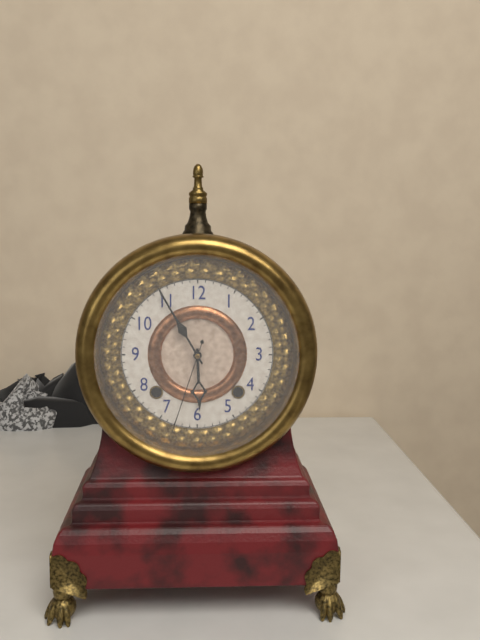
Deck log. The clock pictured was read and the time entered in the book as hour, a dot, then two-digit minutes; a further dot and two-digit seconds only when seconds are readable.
5.55.33
